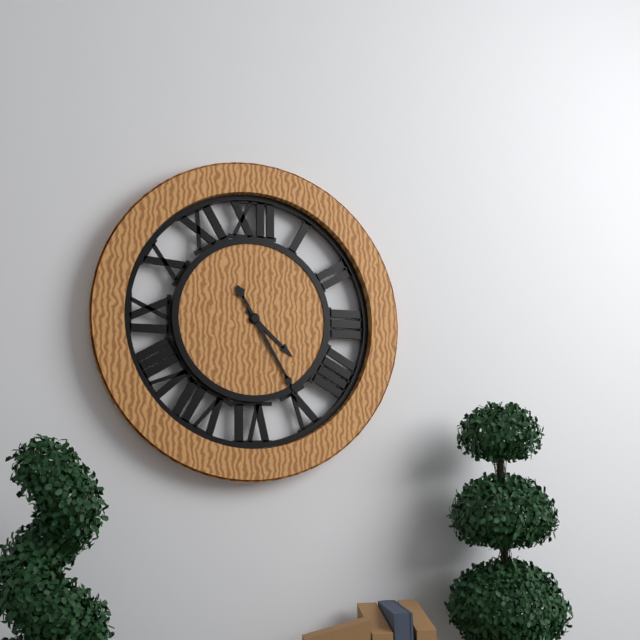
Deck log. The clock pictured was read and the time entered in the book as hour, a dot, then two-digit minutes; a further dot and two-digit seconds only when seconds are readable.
4.25
